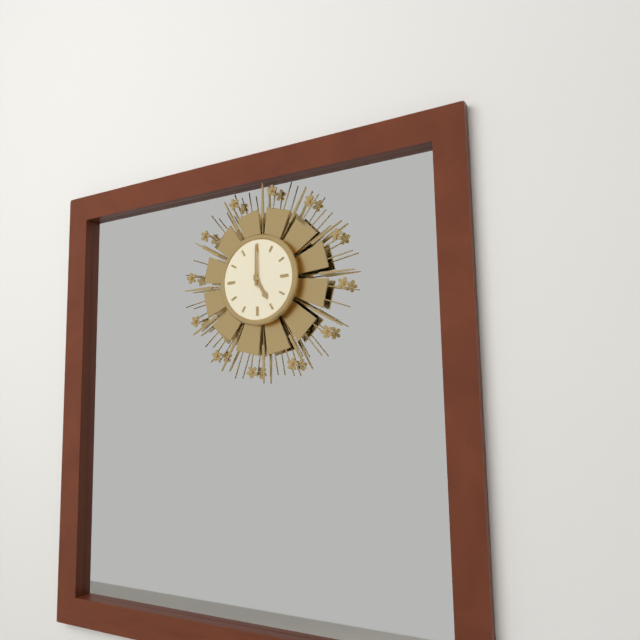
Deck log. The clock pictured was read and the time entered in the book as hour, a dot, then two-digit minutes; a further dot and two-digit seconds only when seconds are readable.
5.00
